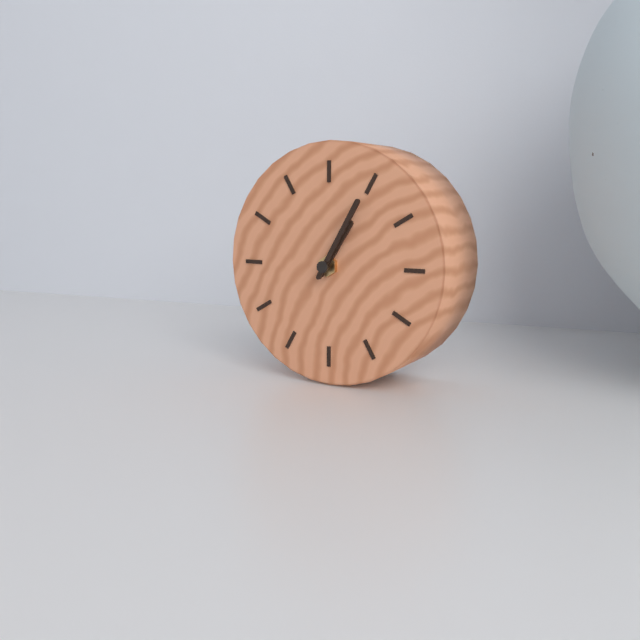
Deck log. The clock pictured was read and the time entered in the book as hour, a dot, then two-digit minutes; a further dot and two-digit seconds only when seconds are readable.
1.05
